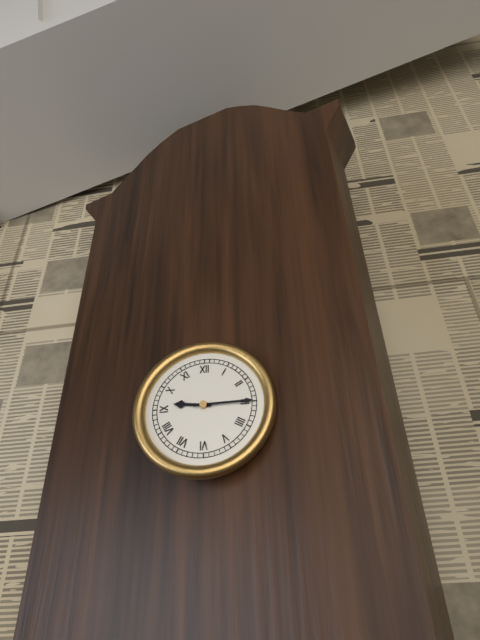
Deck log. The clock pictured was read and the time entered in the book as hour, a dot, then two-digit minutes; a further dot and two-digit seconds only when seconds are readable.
9.15
